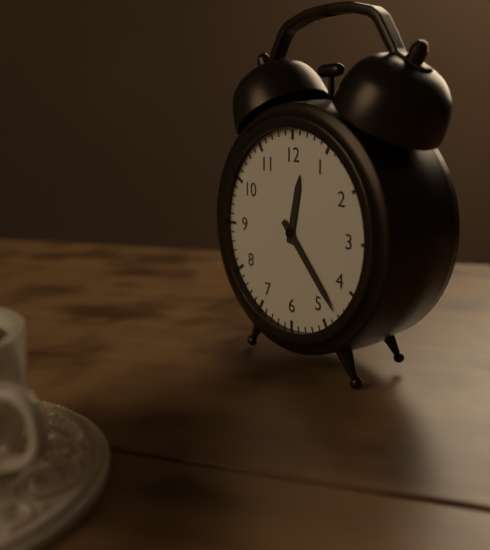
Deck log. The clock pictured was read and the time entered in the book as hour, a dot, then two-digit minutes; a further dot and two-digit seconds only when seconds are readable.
12.23
